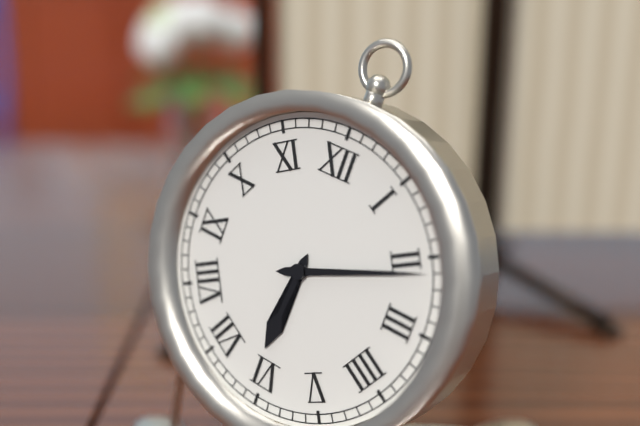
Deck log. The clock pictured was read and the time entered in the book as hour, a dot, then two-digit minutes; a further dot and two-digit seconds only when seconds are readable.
6.11
